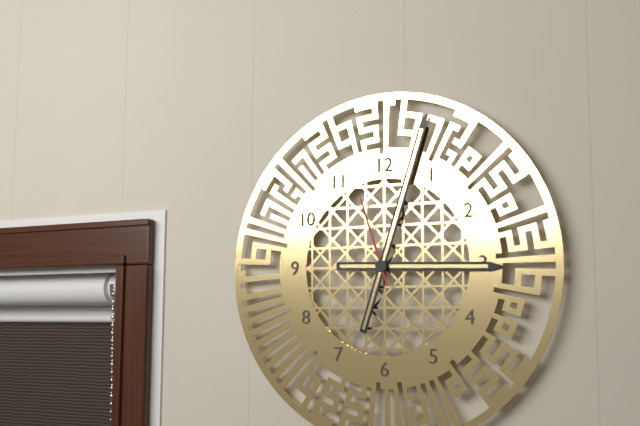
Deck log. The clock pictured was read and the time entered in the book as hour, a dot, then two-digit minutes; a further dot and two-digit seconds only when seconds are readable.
3.03.57
